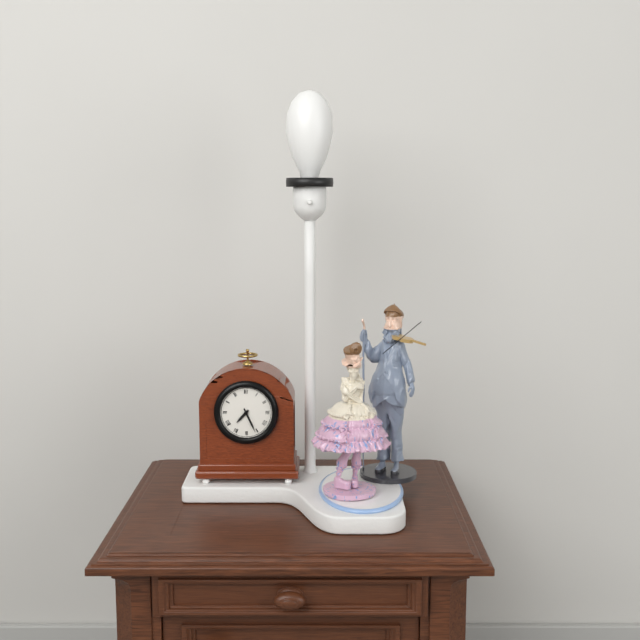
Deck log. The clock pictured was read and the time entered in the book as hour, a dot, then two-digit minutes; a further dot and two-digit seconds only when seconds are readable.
7.26
